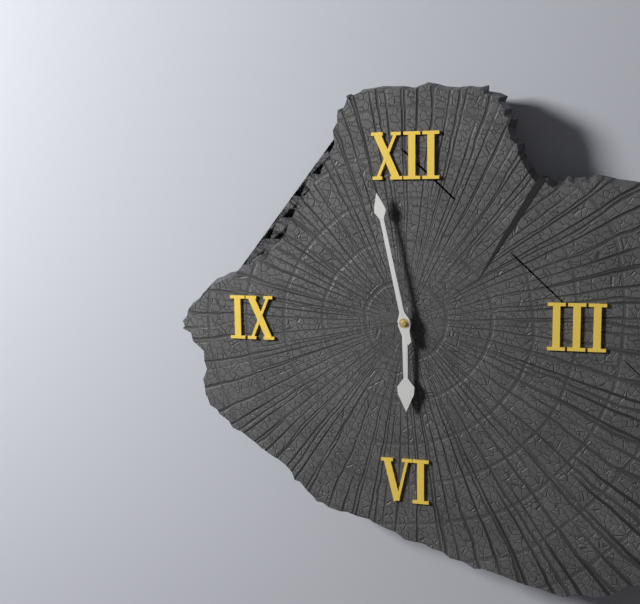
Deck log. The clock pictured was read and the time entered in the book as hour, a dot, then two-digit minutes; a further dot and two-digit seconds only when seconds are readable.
5.58
